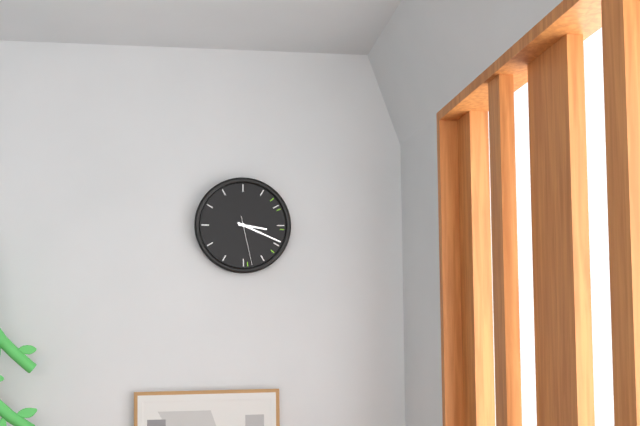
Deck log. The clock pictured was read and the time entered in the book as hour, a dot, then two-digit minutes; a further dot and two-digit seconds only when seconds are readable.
3.19
